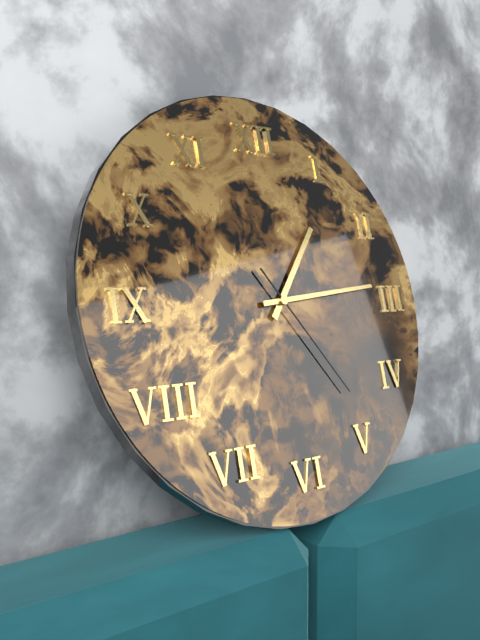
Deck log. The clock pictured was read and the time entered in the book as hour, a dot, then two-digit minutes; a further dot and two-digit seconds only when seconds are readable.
1.14.24
